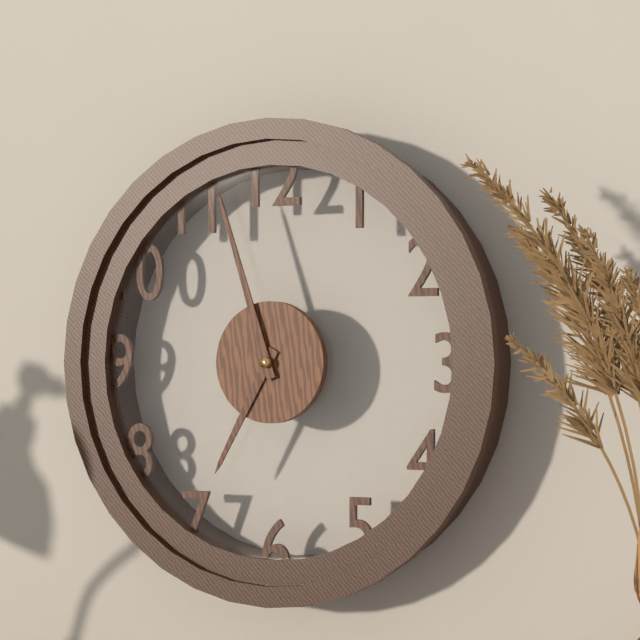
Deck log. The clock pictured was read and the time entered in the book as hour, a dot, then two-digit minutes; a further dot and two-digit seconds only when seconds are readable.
6.57
